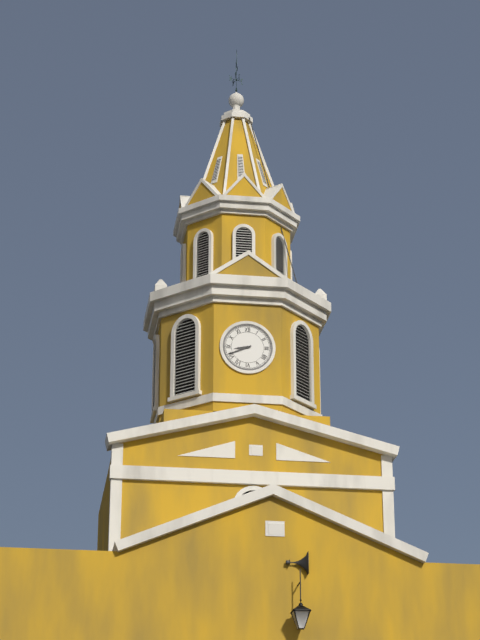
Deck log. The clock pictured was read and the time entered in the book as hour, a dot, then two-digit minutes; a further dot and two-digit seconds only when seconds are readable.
8.41
